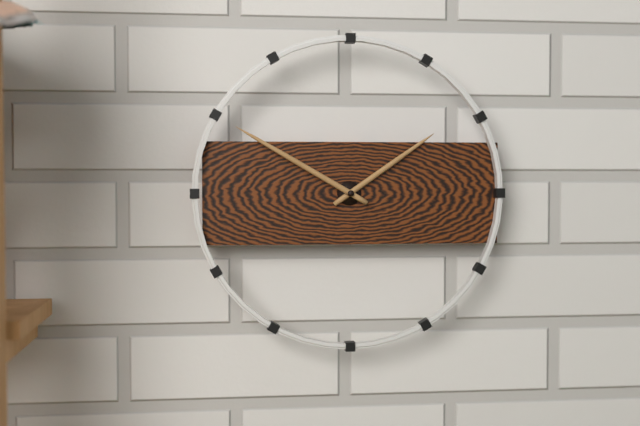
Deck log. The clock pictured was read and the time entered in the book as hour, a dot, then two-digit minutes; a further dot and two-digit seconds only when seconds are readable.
1.50
